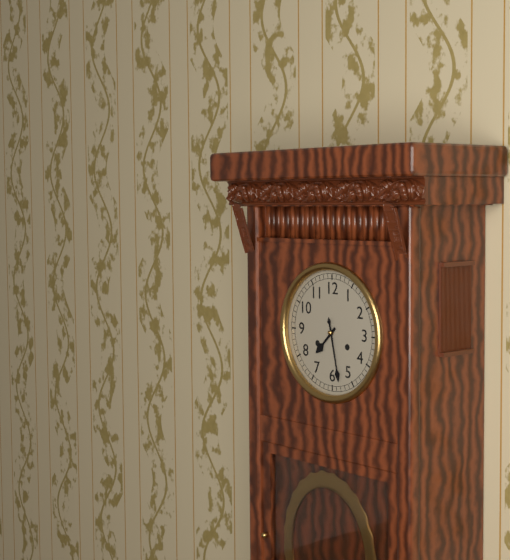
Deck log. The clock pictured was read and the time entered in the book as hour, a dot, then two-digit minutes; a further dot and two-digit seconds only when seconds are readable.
7.28
